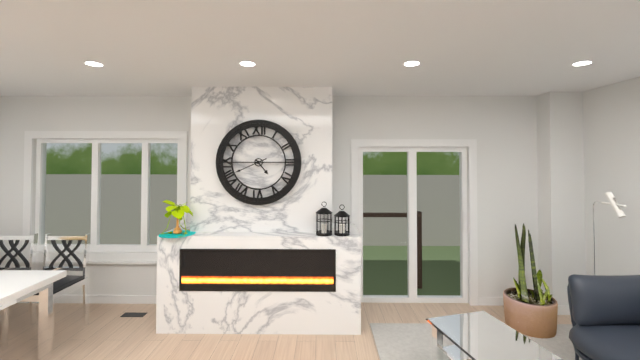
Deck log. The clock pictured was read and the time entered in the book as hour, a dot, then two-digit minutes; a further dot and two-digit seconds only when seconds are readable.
4.41
